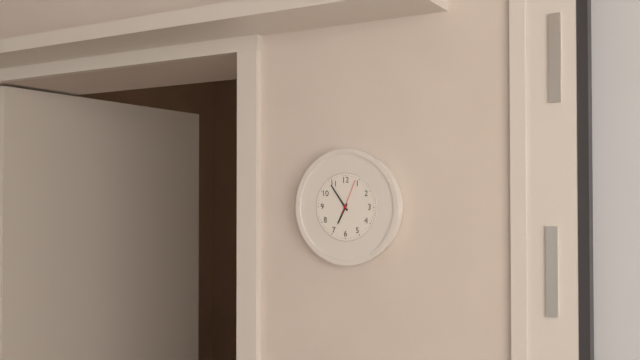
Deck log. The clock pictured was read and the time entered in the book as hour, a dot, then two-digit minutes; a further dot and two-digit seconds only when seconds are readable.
6.54
